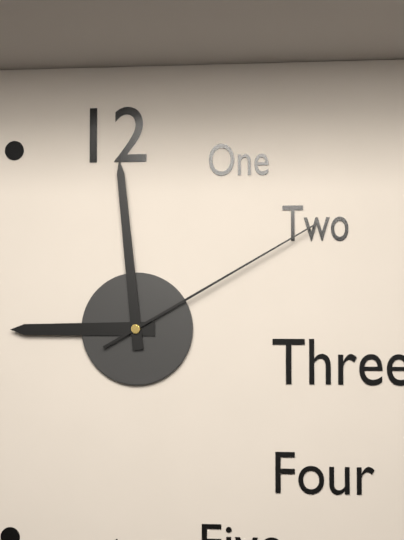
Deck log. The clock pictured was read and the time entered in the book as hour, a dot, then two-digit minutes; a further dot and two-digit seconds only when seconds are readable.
8.59.10
